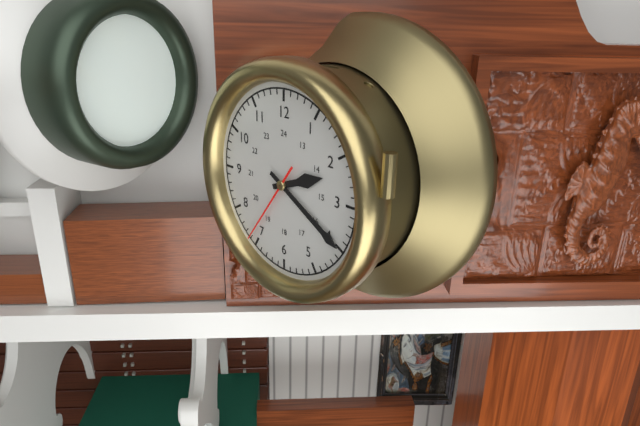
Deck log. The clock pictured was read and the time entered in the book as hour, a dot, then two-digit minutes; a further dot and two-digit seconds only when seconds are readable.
2.20.36
